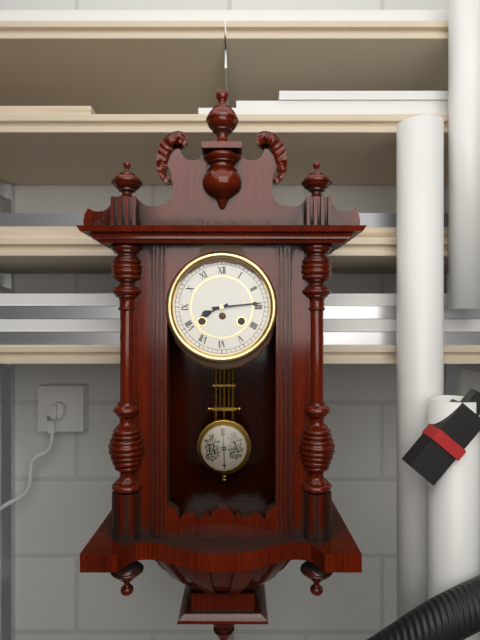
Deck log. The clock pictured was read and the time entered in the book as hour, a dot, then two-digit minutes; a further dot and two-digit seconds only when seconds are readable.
8.14
